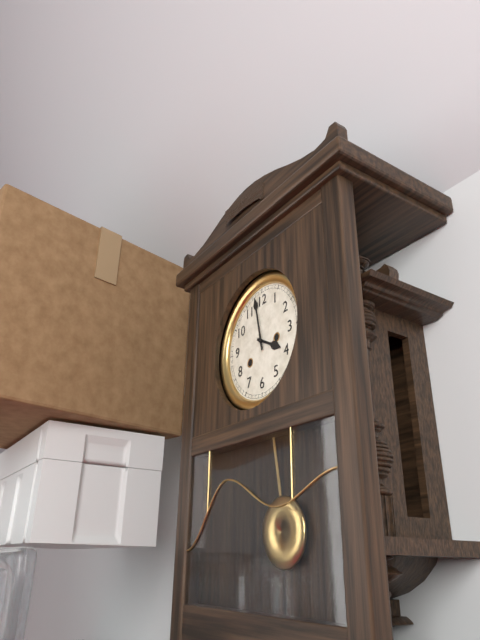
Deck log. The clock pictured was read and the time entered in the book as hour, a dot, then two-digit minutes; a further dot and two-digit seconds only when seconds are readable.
3.58
